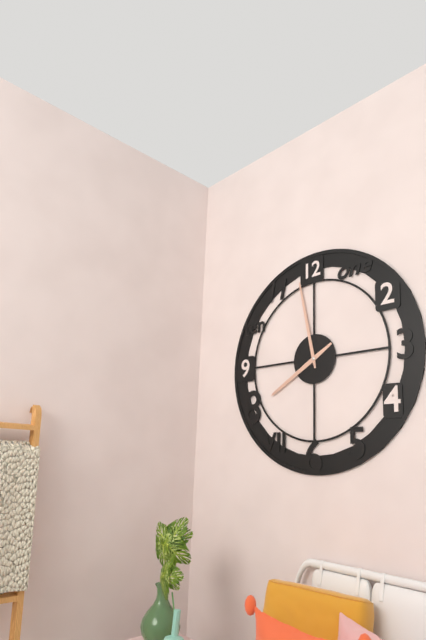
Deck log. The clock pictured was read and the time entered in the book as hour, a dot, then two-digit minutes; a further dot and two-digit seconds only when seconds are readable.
7.58
